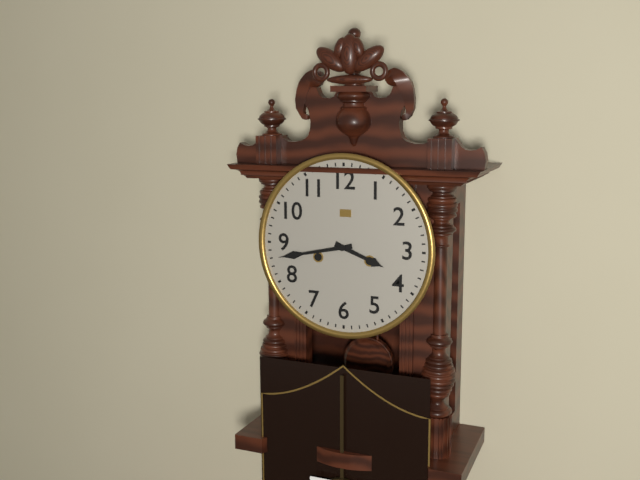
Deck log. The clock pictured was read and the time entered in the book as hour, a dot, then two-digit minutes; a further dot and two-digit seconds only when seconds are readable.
3.43
